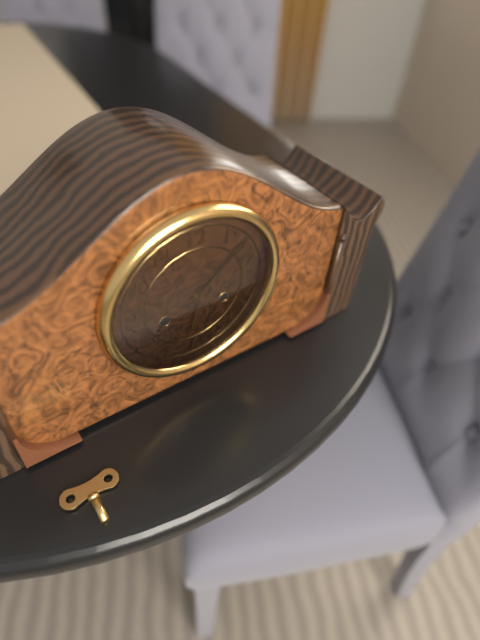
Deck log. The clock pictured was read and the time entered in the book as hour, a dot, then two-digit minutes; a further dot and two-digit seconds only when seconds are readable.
6.08
